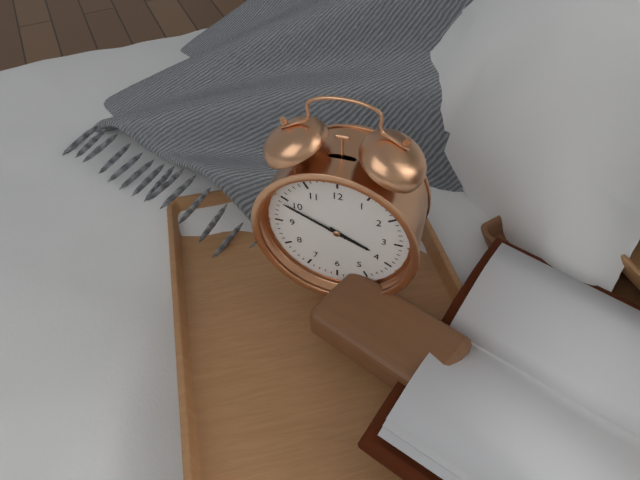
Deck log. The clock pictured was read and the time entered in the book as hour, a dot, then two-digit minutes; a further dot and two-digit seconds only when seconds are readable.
3.49
